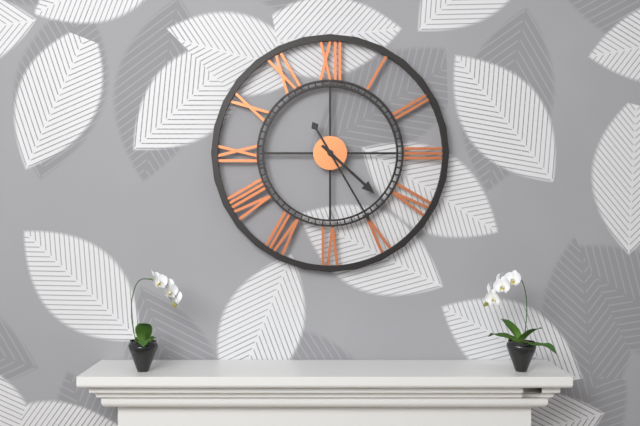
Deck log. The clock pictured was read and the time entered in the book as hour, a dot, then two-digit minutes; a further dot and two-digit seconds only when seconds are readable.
4.25
